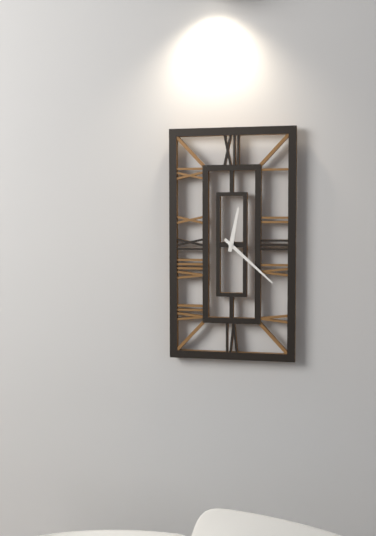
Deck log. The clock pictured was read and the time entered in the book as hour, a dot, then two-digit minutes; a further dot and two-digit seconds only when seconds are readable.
12.22
